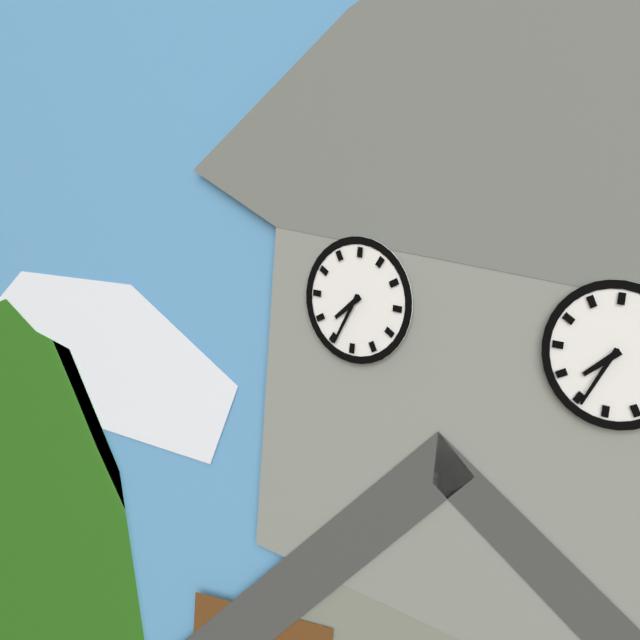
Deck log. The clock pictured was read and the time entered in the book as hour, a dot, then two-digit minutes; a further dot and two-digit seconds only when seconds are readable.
7.34
